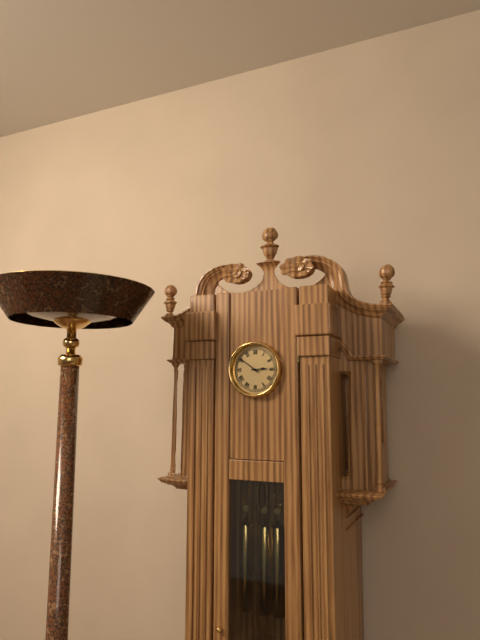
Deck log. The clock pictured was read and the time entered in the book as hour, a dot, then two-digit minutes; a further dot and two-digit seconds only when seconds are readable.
2.51
